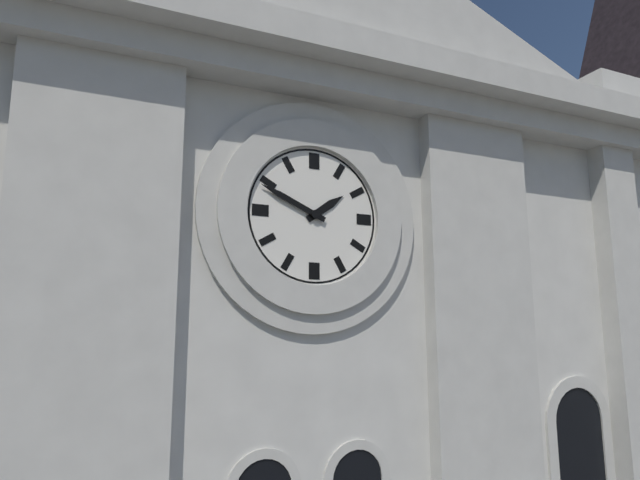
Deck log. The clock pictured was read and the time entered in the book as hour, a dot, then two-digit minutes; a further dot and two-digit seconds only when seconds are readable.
1.49
